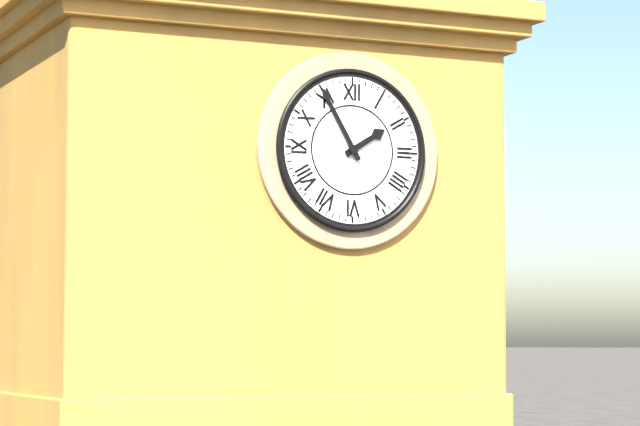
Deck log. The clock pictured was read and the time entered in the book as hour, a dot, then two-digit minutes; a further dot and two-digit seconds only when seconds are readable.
1.55
